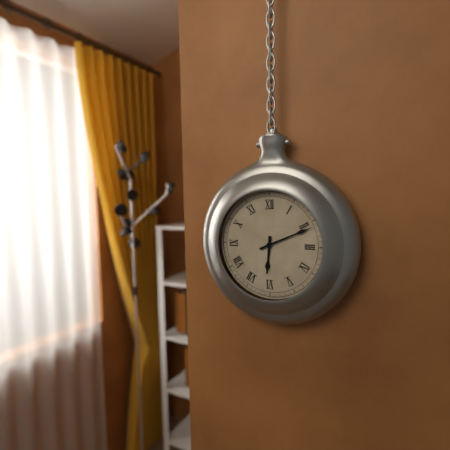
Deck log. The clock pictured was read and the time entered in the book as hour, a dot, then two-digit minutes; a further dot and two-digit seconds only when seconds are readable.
6.11
